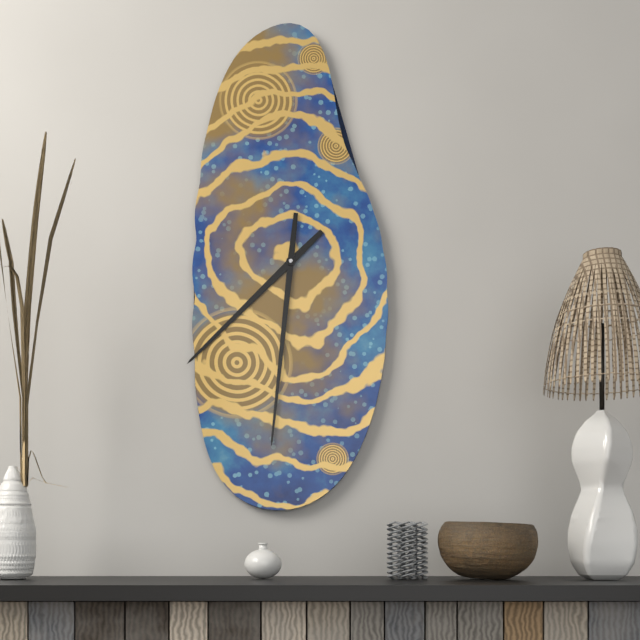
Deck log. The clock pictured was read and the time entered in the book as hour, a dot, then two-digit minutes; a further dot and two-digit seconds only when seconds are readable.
7.31
